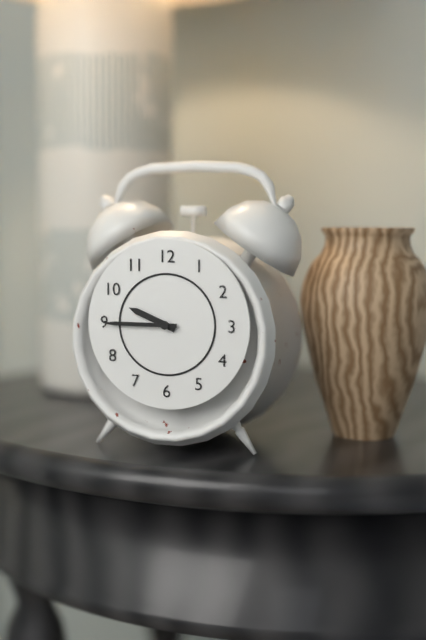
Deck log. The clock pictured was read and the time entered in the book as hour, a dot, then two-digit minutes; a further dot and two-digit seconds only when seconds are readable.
9.45
